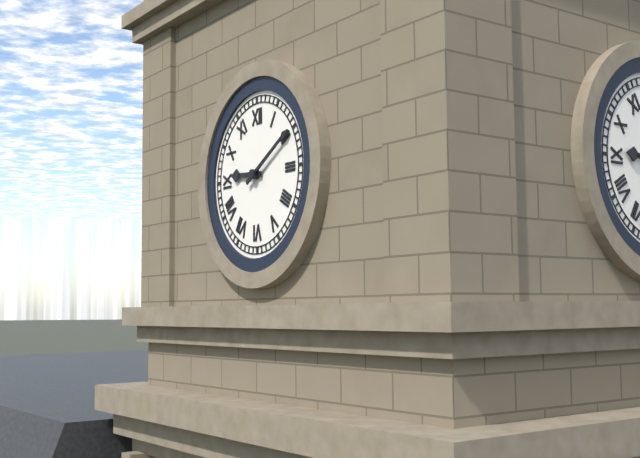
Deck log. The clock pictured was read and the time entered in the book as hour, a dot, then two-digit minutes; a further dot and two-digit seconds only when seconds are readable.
9.10
